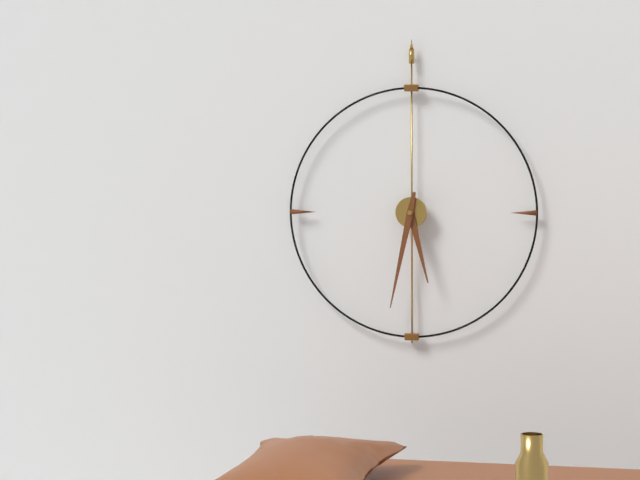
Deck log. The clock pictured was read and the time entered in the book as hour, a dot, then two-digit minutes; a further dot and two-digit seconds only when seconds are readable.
5.32
